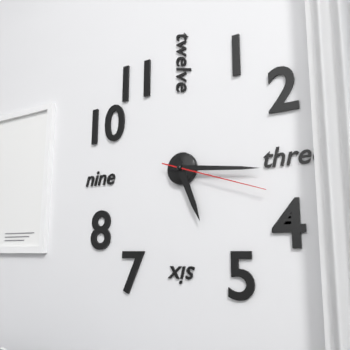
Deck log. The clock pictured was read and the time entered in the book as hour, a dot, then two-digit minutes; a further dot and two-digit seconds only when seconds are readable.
5.16.18
